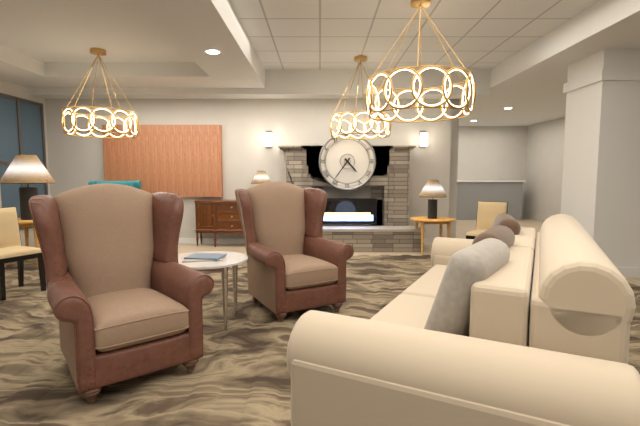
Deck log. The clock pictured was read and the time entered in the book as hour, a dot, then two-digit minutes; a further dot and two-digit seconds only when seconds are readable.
4.36
